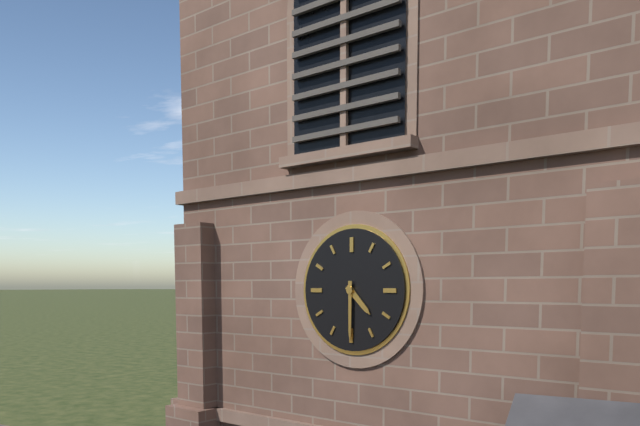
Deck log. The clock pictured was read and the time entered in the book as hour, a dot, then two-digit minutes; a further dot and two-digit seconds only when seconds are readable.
4.30
